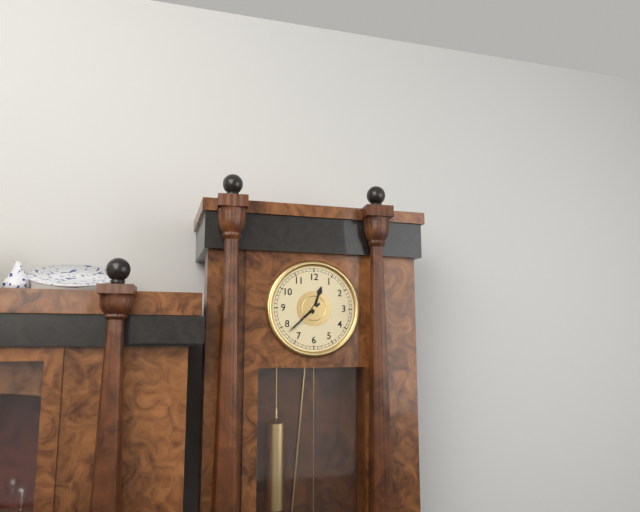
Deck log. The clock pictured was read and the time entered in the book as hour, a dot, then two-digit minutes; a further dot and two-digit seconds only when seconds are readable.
12.38
